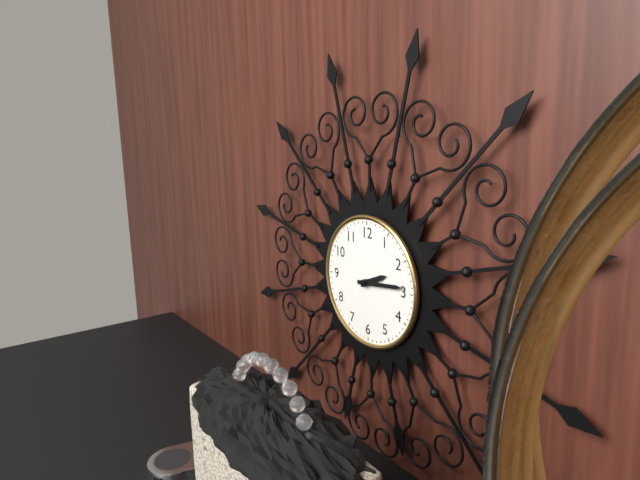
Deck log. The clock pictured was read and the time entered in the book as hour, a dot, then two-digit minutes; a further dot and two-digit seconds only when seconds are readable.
2.14
